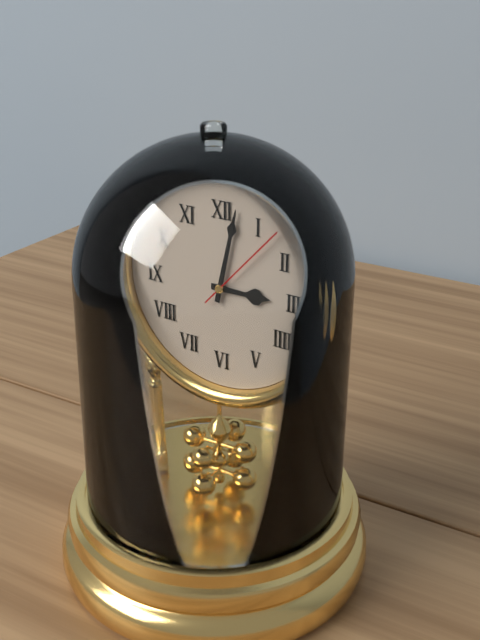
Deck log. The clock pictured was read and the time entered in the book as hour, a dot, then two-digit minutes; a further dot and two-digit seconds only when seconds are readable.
3.02.07
